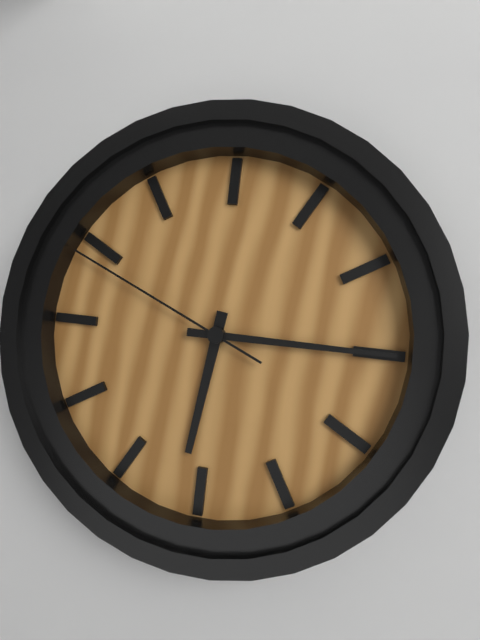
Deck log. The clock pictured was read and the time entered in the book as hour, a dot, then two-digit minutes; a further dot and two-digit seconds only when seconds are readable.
6.15.49
